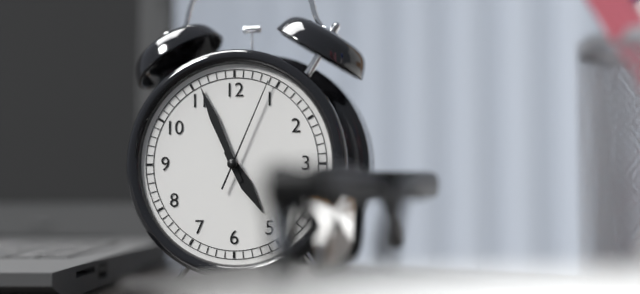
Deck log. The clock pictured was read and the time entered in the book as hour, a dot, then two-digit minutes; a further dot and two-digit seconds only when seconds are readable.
4.56.04
